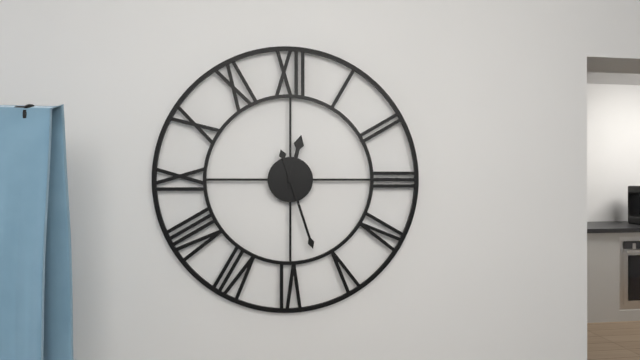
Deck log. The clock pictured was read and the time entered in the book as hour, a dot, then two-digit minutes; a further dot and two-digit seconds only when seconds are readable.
12.27
